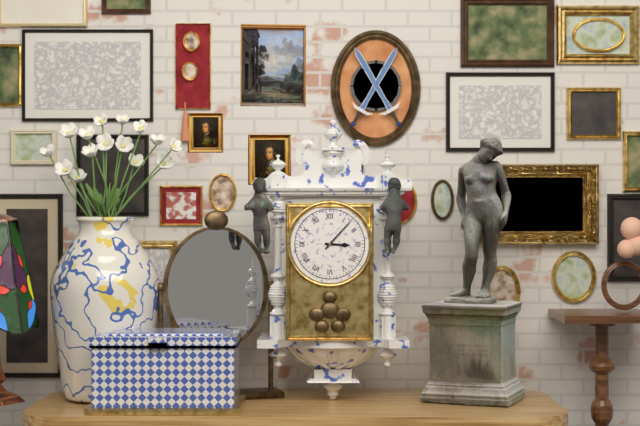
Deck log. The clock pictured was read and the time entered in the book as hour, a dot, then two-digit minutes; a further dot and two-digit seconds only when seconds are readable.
3.07
